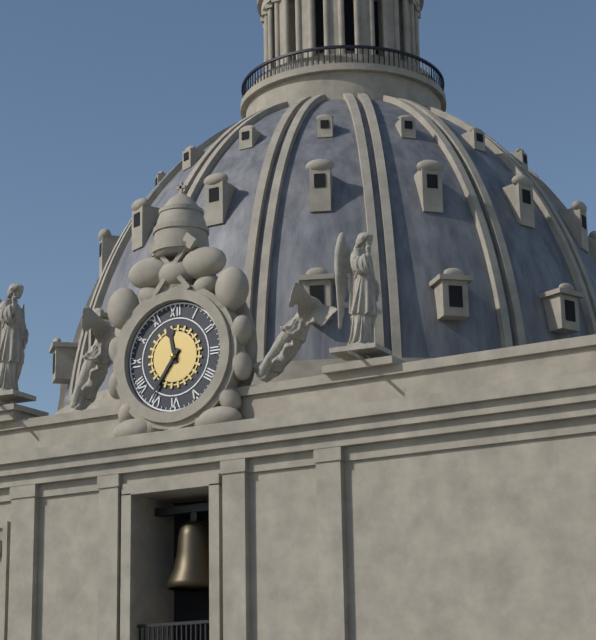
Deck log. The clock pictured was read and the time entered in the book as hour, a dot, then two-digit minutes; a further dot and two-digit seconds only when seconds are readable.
11.36
